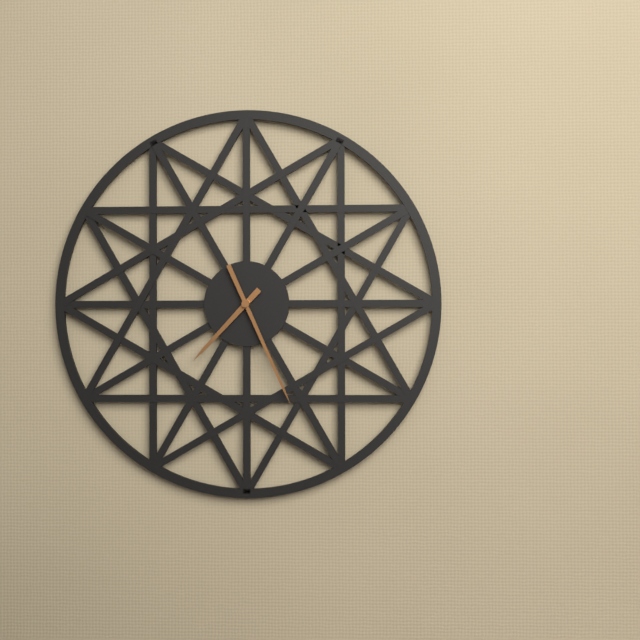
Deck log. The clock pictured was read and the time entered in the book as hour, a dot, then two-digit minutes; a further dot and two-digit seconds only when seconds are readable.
7.26
